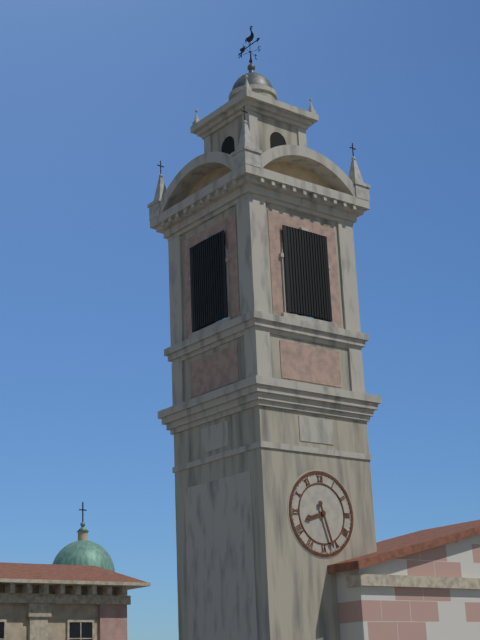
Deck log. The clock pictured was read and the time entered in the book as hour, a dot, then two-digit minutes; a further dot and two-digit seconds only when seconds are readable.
8.27
